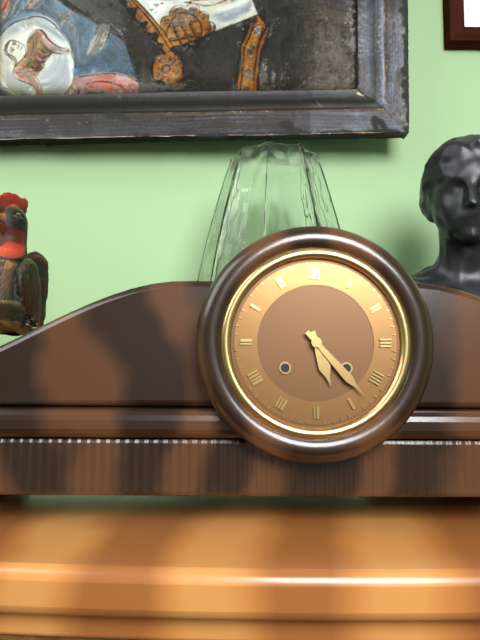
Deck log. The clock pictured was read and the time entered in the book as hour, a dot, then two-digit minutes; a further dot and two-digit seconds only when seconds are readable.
5.23
